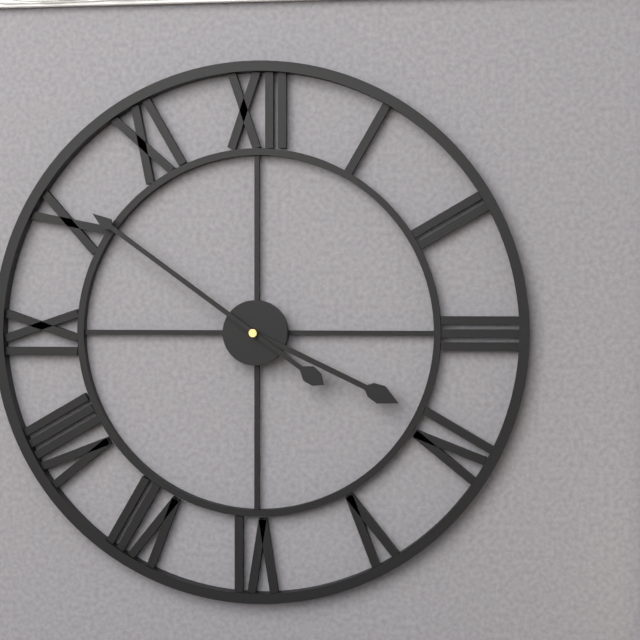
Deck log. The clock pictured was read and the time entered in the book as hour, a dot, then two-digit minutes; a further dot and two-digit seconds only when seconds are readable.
3.51
